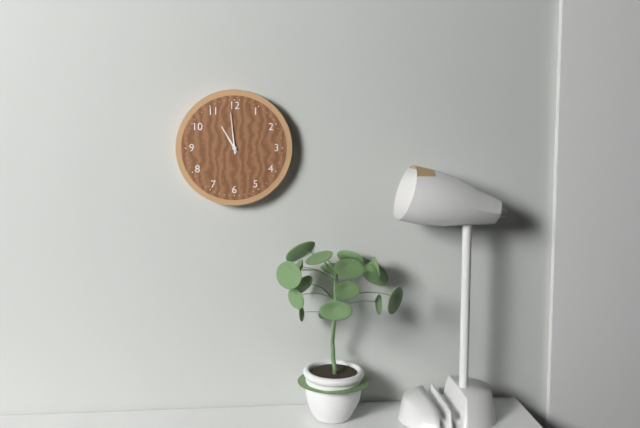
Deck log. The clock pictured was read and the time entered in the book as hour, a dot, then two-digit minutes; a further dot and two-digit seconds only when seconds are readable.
10.59
